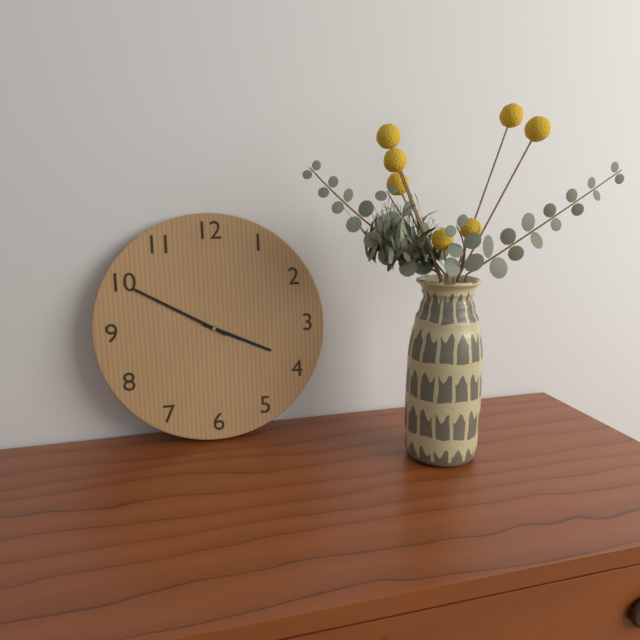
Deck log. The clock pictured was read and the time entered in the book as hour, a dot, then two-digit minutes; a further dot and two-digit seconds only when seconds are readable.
3.50
